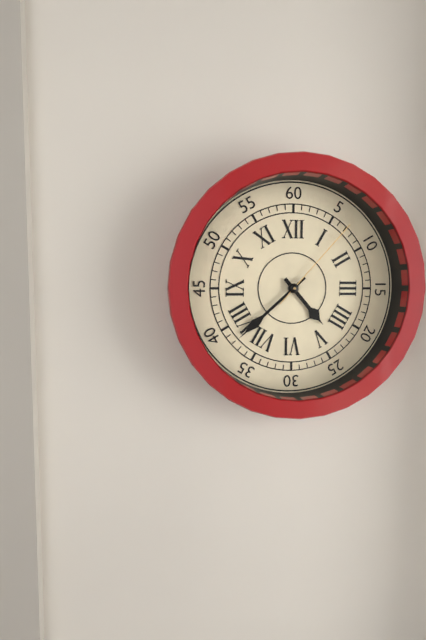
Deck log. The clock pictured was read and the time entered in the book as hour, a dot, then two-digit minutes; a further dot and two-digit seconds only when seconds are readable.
4.38.07
